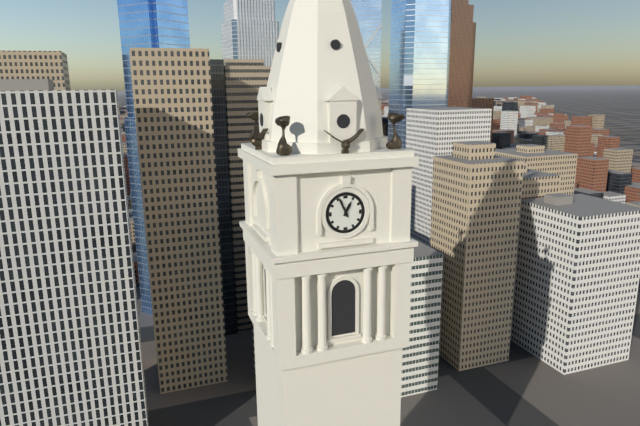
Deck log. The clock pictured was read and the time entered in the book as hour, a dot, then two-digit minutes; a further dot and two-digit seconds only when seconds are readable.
12.56
